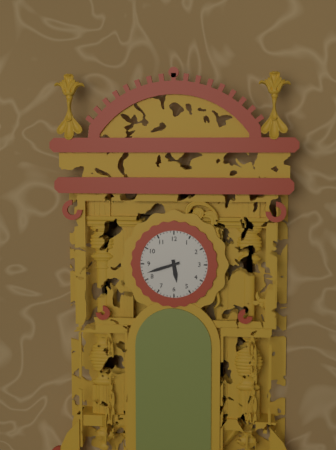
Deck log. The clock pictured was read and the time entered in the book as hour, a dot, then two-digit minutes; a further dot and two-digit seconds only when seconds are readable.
5.42
